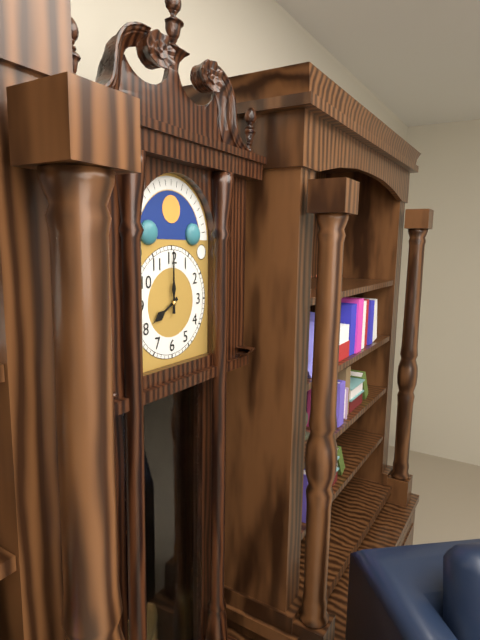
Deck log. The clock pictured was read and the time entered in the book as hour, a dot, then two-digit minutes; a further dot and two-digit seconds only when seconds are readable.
8.00
